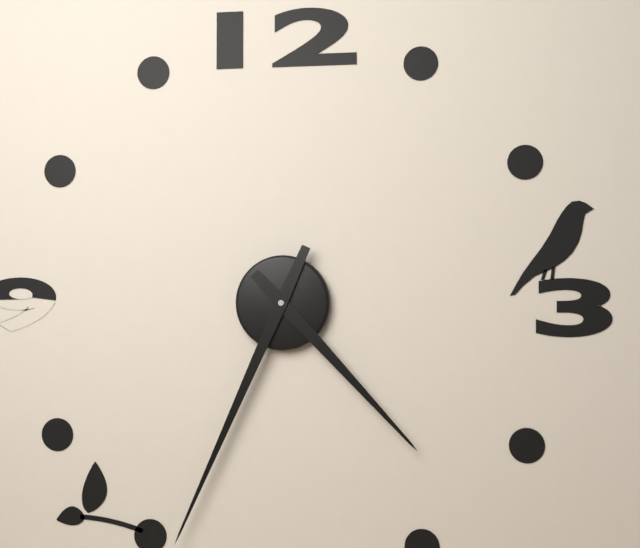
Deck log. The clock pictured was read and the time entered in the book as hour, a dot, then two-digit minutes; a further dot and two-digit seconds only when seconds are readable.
4.34
